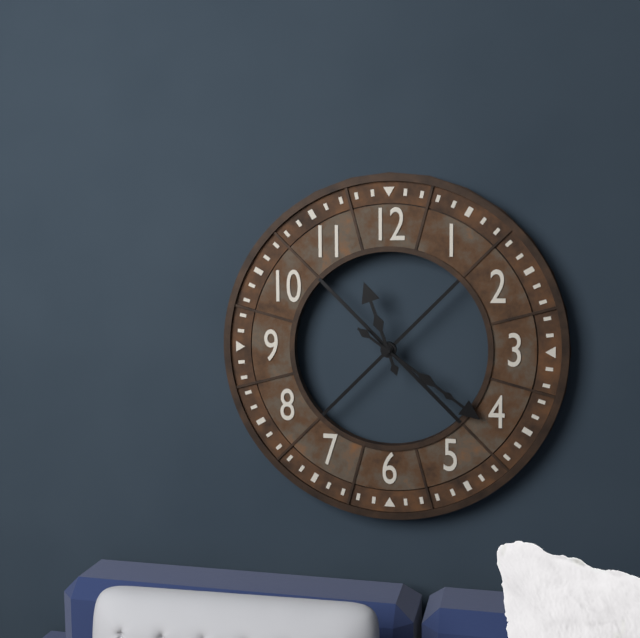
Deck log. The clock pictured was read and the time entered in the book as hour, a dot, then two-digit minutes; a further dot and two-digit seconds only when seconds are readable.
11.21
